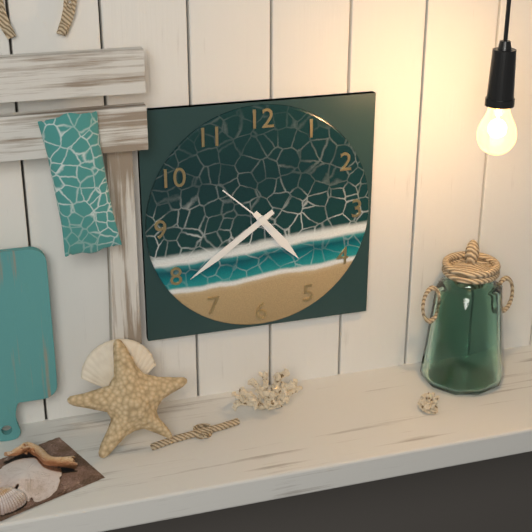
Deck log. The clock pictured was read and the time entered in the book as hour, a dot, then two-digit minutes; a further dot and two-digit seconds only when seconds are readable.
4.39.52
